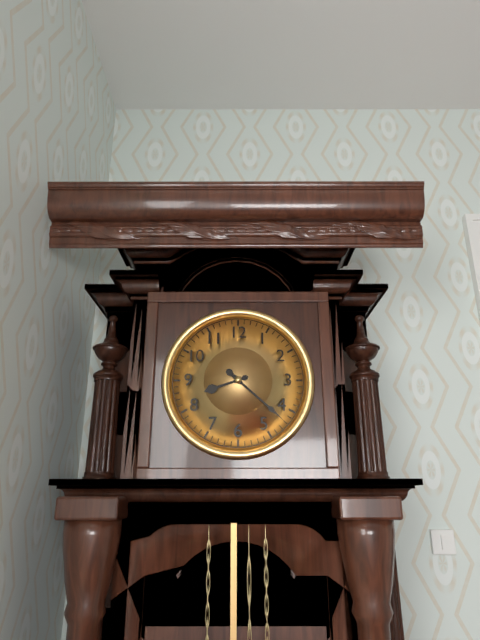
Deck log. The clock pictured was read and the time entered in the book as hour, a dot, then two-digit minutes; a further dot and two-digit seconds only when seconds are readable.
8.22
